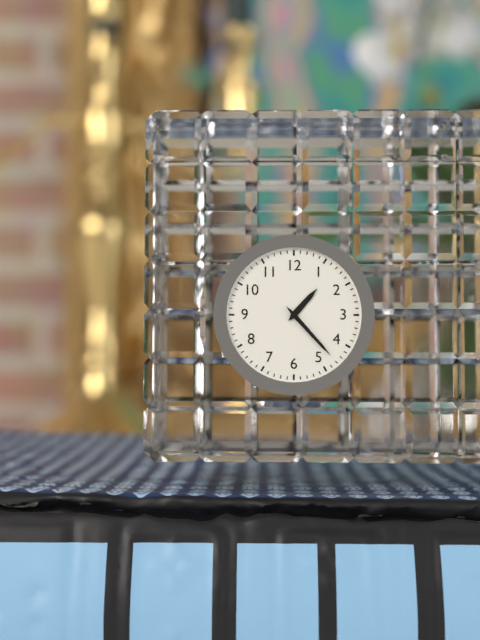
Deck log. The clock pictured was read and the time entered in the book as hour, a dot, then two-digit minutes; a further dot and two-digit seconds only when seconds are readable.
1.23
